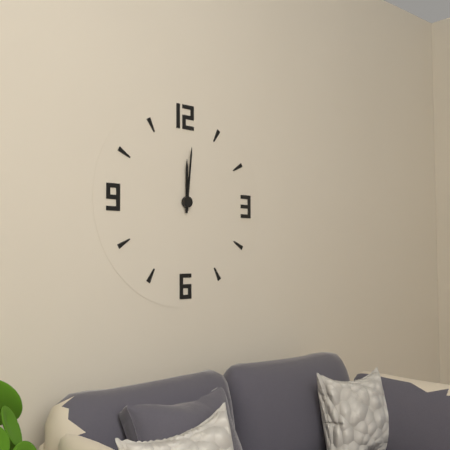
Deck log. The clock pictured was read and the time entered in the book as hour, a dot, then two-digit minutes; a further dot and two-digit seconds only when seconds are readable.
12.01
